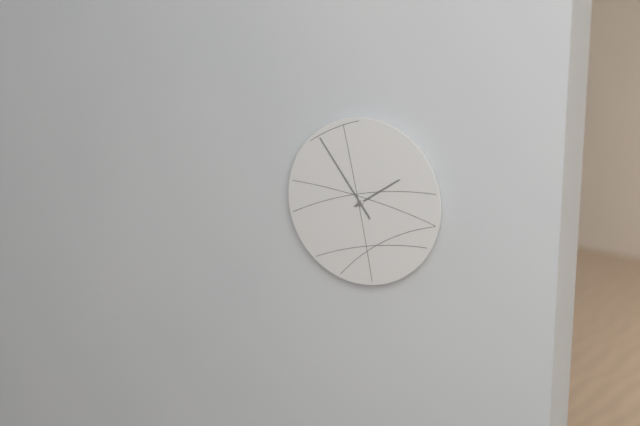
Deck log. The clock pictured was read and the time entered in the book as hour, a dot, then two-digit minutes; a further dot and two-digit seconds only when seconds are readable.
1.54
